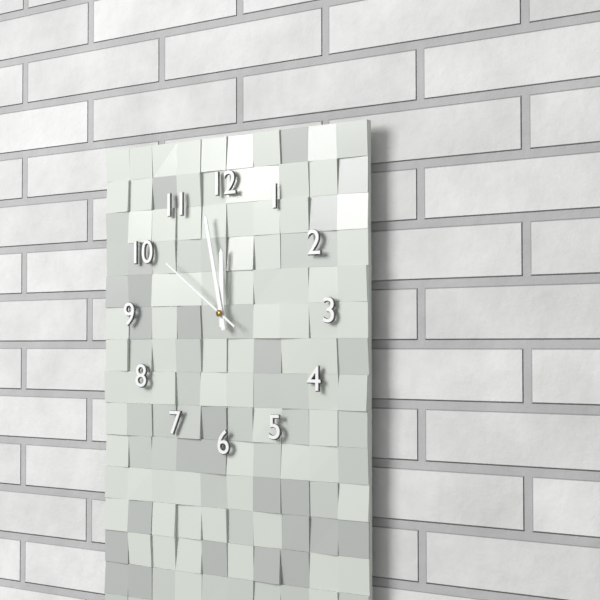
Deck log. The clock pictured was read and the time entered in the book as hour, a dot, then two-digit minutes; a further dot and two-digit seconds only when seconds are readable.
11.58.51
